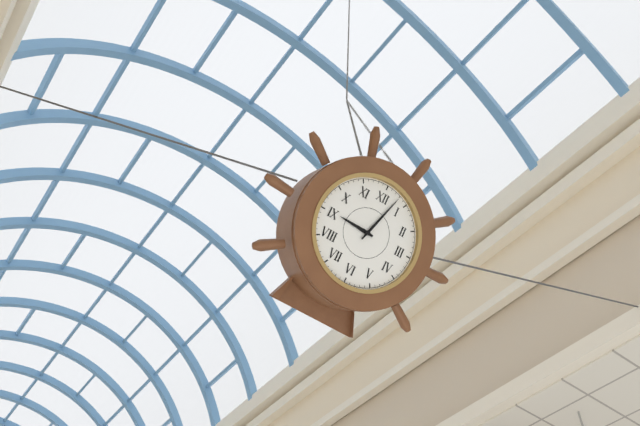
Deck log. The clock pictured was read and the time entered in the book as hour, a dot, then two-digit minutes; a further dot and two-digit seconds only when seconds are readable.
9.03
